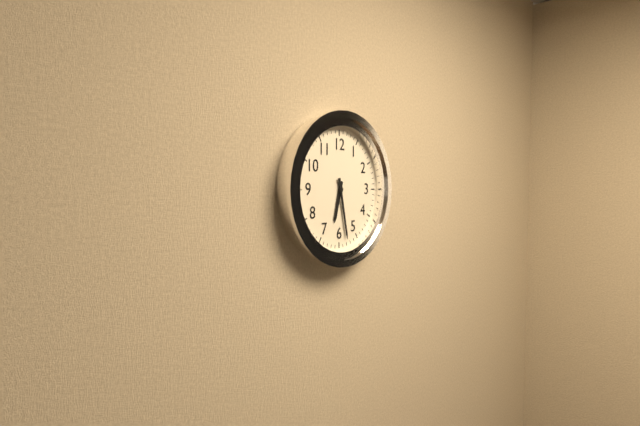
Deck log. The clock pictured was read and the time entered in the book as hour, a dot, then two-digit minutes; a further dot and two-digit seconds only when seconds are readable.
6.28
